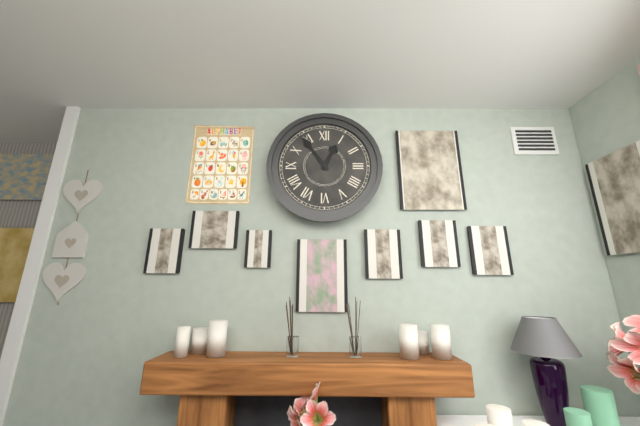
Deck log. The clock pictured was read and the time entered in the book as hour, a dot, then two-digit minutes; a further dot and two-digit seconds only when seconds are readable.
12.54
